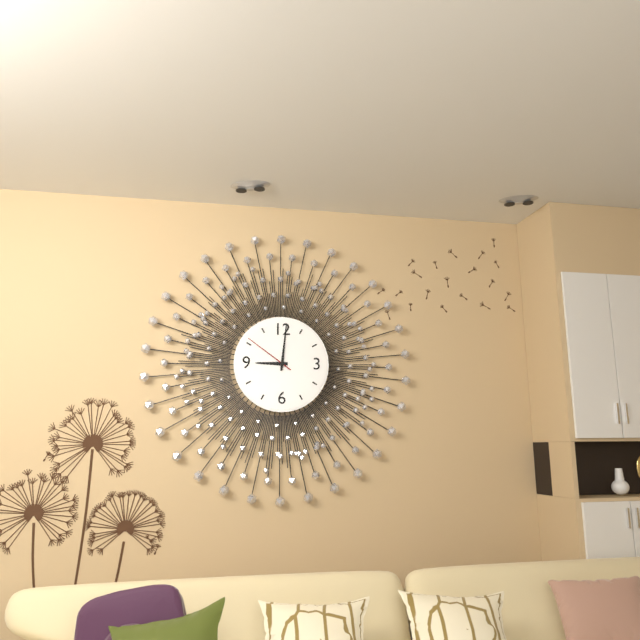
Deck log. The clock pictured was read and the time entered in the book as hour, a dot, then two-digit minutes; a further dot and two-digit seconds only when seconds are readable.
9.01.51
